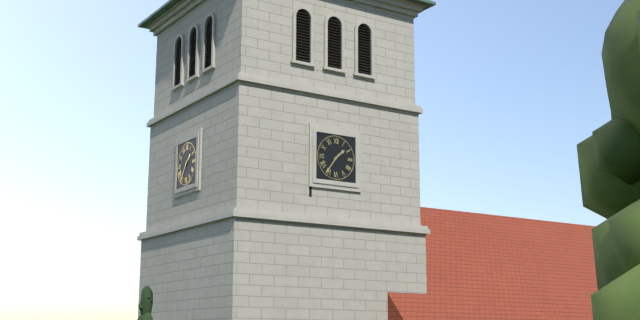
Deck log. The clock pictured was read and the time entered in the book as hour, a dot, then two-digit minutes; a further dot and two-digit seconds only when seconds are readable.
1.36
